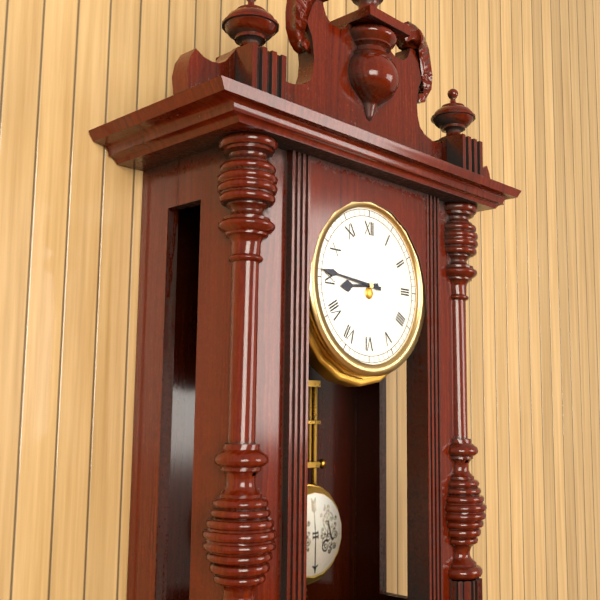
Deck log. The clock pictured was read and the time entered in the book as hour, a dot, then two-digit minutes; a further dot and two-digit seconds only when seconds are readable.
8.46
